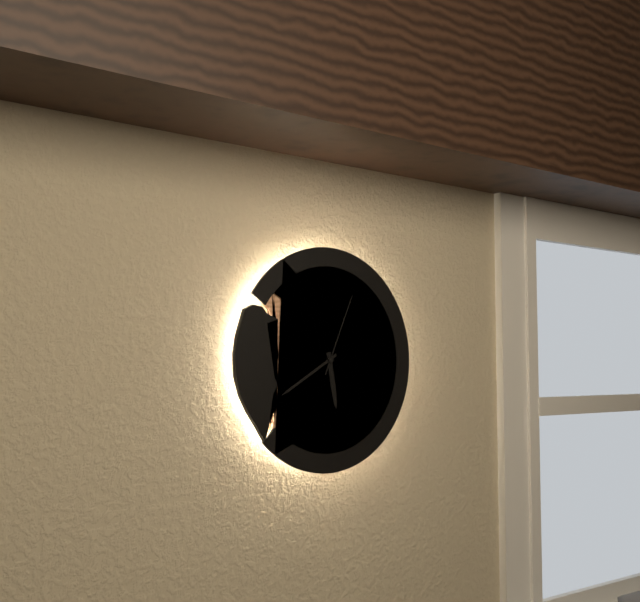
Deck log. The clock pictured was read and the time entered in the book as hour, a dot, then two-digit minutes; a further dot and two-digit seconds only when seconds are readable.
5.40.04
